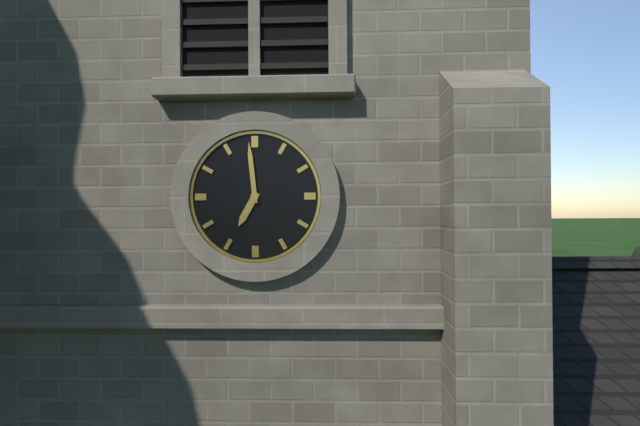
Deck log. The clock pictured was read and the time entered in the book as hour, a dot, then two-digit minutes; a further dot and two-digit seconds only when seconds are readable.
6.59
